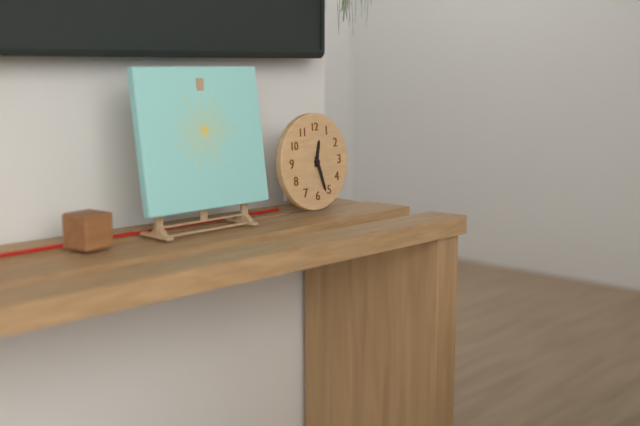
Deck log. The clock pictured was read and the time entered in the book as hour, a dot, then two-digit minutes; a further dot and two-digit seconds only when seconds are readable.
12.27
